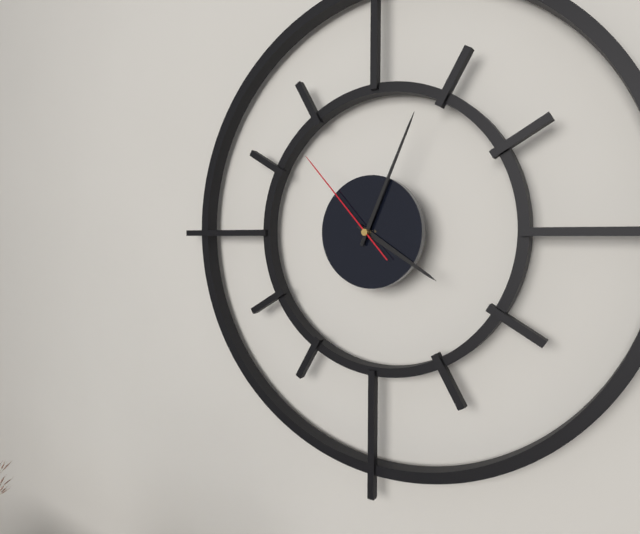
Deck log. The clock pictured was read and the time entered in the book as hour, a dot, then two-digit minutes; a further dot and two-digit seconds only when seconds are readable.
4.04.53
